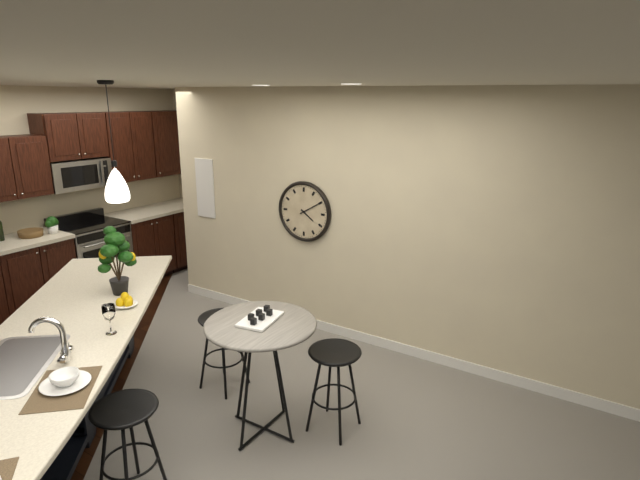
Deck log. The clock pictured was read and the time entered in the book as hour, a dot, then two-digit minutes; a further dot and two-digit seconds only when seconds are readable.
4.10
